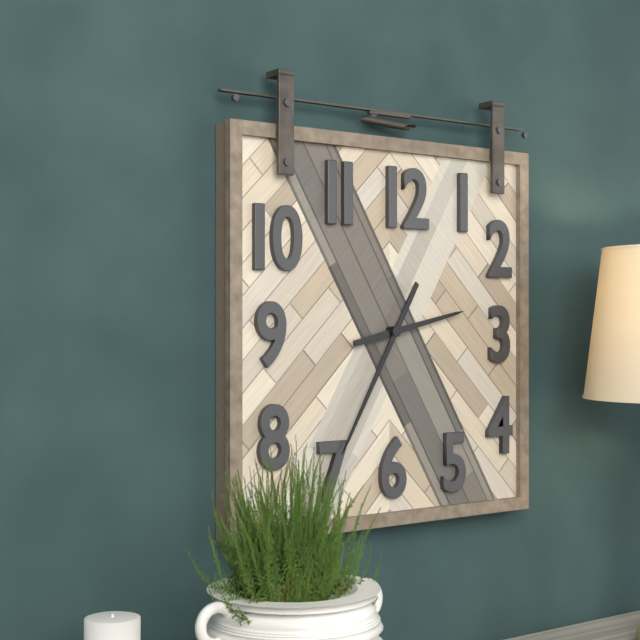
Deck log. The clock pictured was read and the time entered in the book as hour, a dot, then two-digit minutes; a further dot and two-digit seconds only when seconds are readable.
2.35
